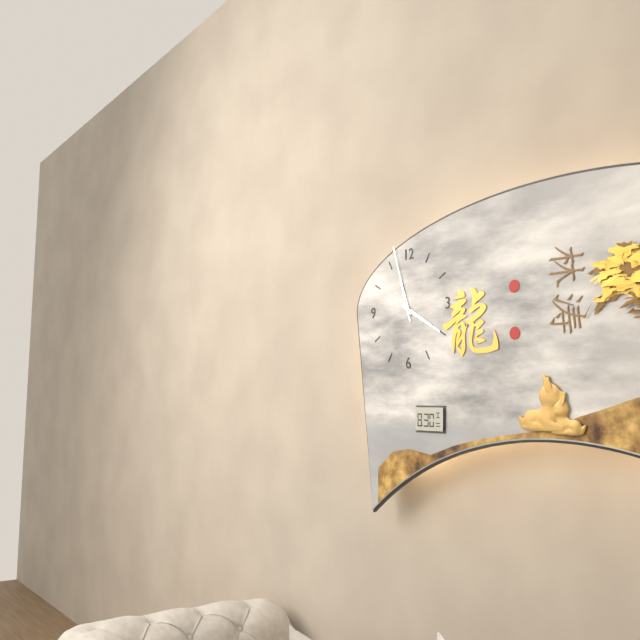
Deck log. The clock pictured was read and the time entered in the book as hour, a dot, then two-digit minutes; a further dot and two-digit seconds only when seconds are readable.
11.20.57
